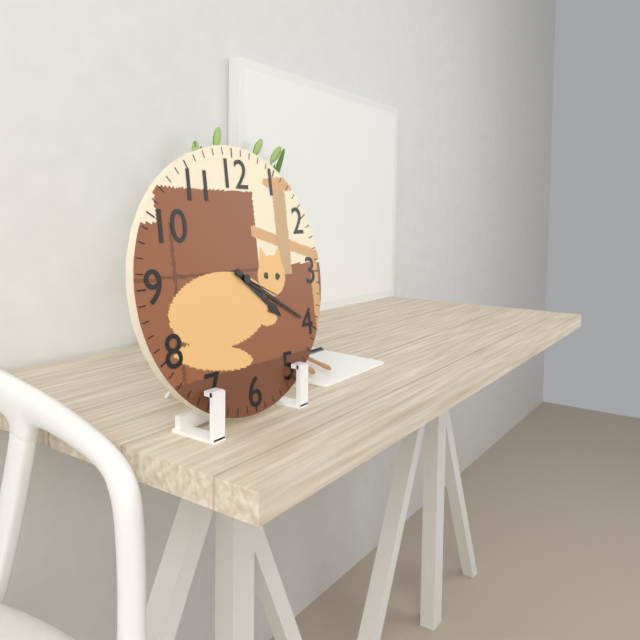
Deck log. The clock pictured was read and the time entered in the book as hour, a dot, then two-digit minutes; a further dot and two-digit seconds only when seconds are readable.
4.20.19
